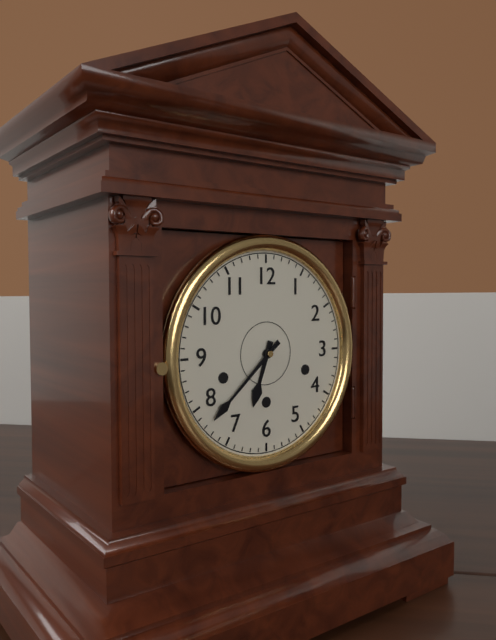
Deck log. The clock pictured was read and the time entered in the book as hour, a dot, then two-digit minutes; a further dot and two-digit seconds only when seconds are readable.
6.38
